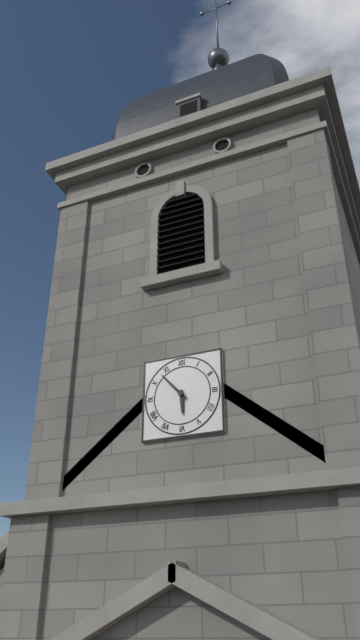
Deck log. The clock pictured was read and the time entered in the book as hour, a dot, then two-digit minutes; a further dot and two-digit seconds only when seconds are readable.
5.53
